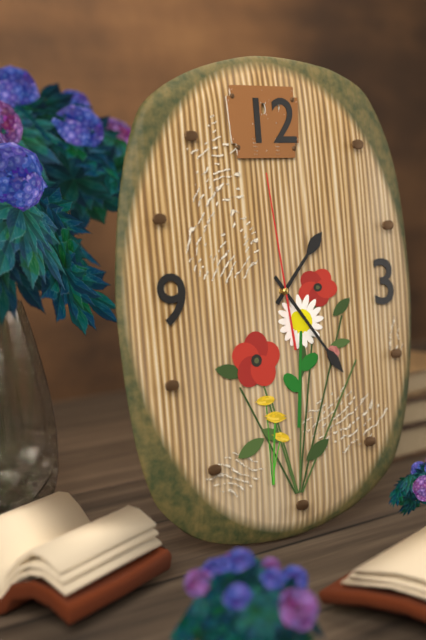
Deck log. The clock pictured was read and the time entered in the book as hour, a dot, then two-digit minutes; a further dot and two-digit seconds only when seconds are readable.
1.24.59
